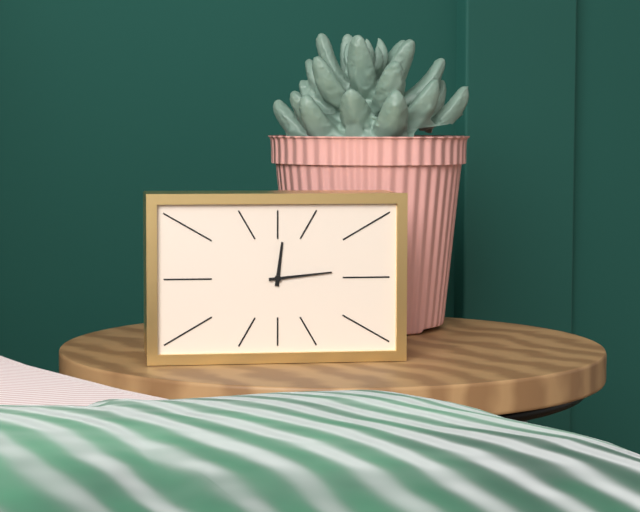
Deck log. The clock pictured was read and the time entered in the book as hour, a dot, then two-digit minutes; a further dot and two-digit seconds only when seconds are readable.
12.14
